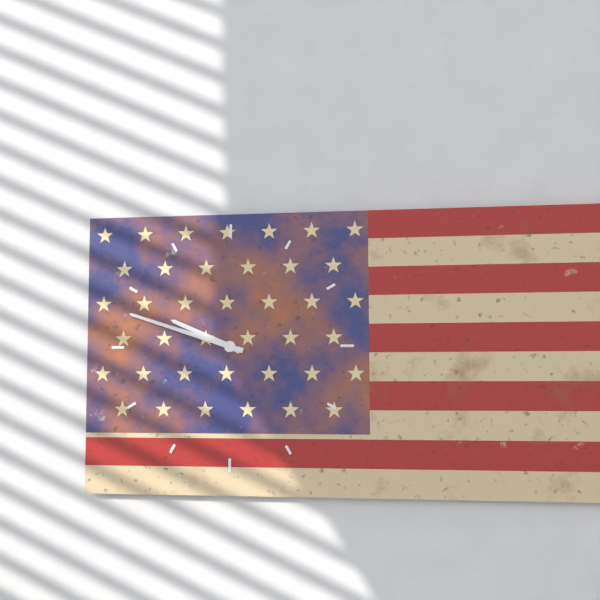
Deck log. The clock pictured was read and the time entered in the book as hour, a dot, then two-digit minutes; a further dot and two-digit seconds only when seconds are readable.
9.48
